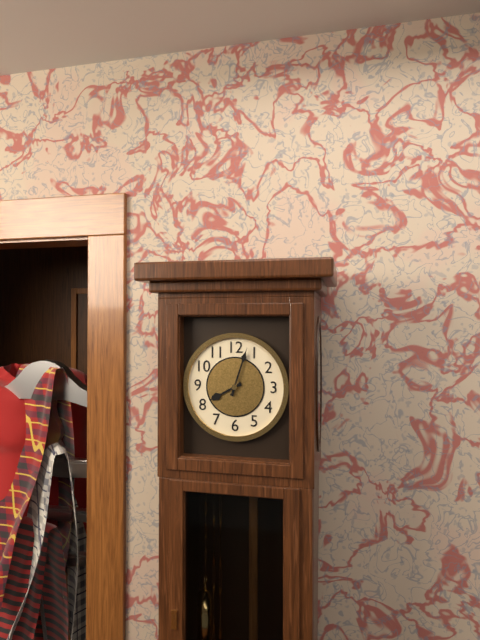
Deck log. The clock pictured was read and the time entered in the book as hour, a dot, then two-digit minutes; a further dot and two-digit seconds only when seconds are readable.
8.03
